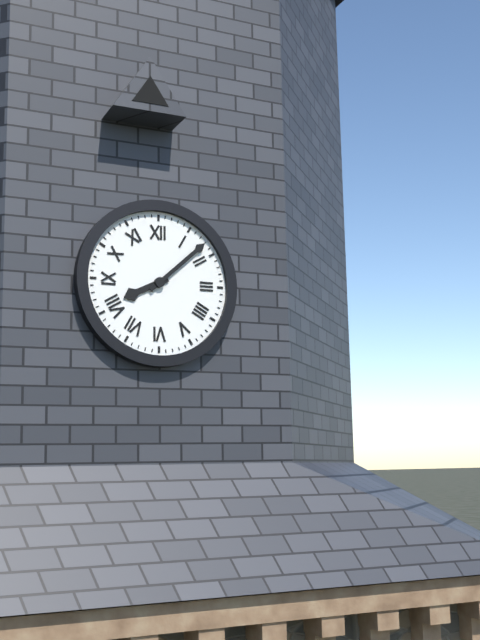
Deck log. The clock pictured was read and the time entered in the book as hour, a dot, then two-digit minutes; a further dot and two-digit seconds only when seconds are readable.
8.08
